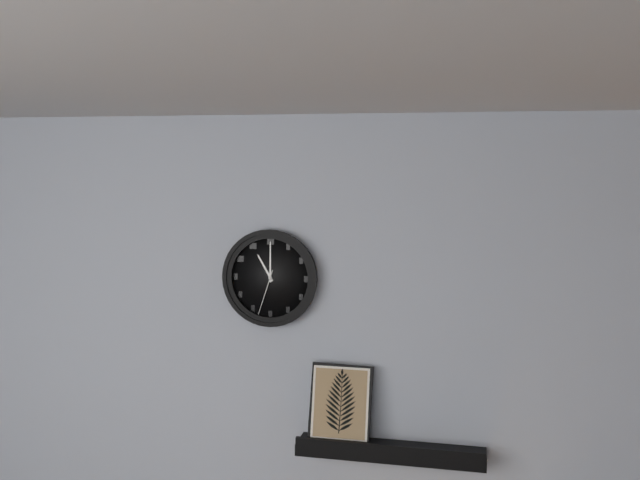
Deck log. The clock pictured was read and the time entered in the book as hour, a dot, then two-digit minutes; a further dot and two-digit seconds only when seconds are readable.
11.00.33
